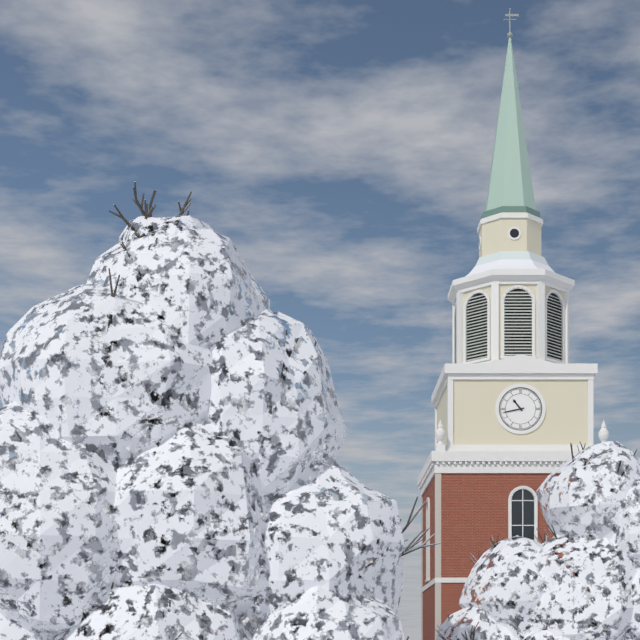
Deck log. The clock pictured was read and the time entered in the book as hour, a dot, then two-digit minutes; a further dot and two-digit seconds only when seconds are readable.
10.43
